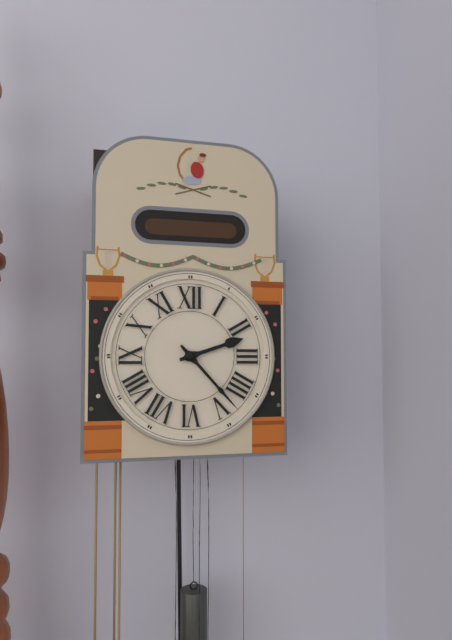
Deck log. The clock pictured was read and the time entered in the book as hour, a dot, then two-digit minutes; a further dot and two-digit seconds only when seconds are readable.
2.23
